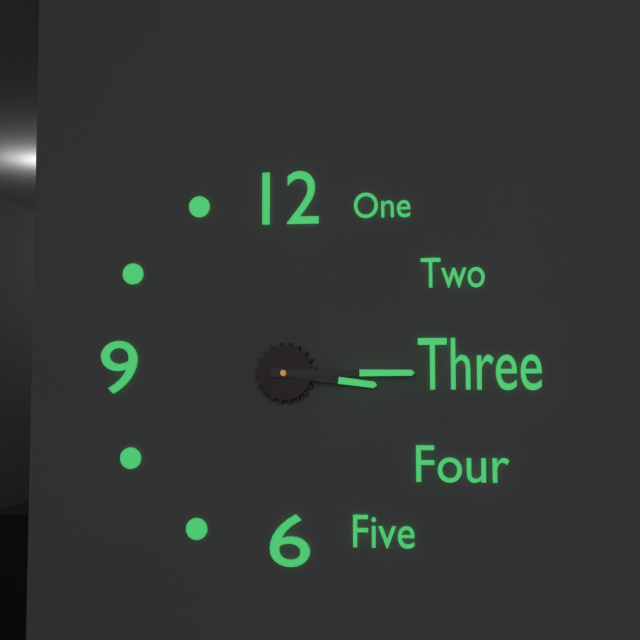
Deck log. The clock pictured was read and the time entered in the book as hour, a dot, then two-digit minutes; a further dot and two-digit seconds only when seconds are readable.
3.15
